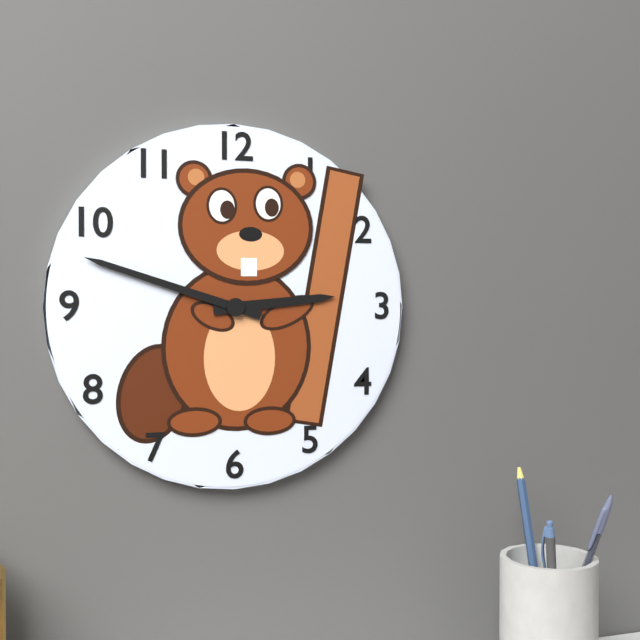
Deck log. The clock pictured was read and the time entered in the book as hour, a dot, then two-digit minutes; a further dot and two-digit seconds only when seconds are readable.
2.48
